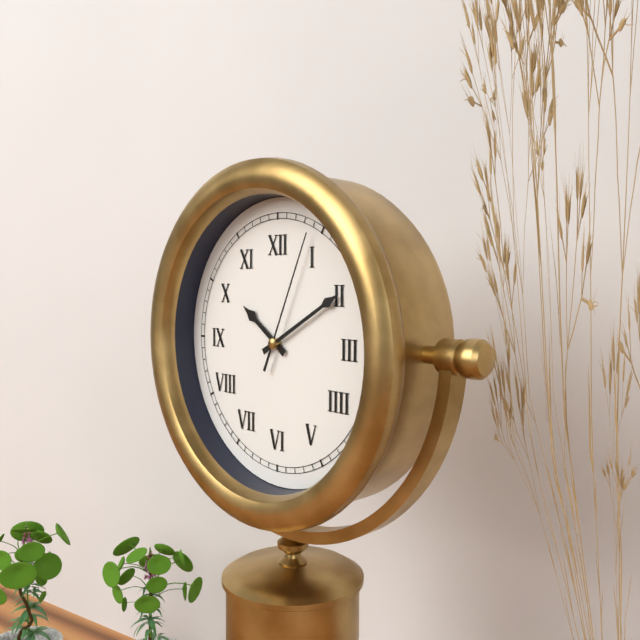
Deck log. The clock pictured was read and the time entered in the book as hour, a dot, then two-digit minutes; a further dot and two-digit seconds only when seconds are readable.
10.10.04
